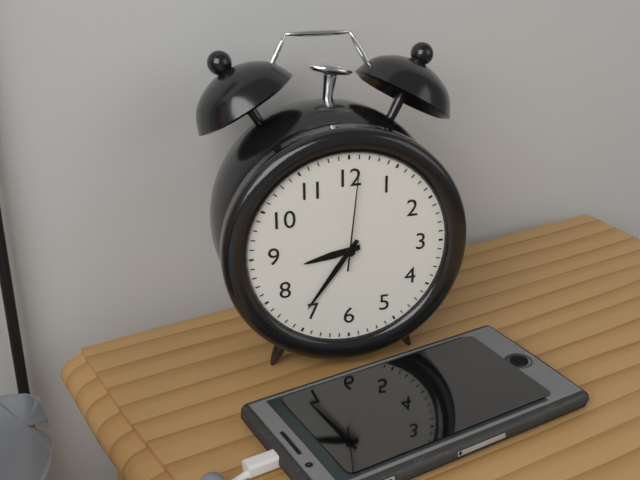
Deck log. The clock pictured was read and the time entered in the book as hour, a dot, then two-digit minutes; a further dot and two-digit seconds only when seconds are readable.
8.36.01
